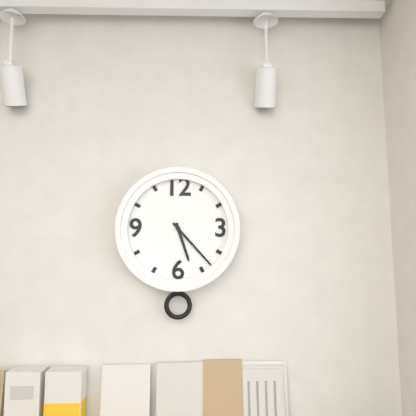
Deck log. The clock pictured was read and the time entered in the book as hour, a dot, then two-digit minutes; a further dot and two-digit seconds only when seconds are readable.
5.23
